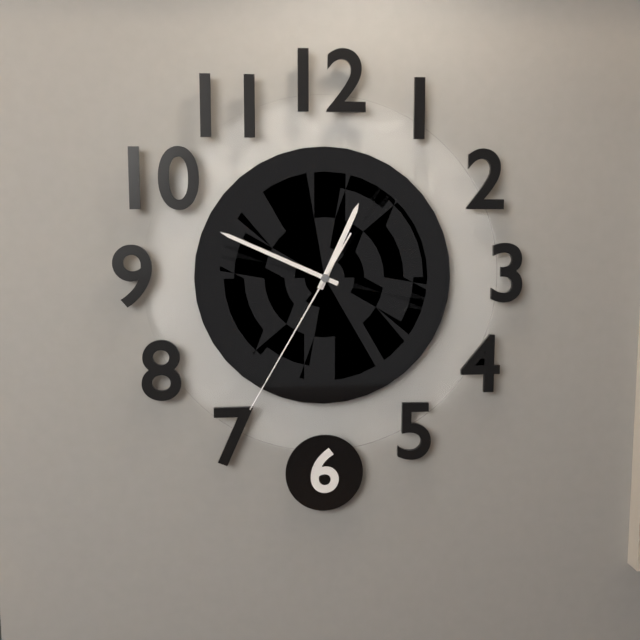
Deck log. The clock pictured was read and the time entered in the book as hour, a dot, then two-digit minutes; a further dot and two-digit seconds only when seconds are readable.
12.49.35
